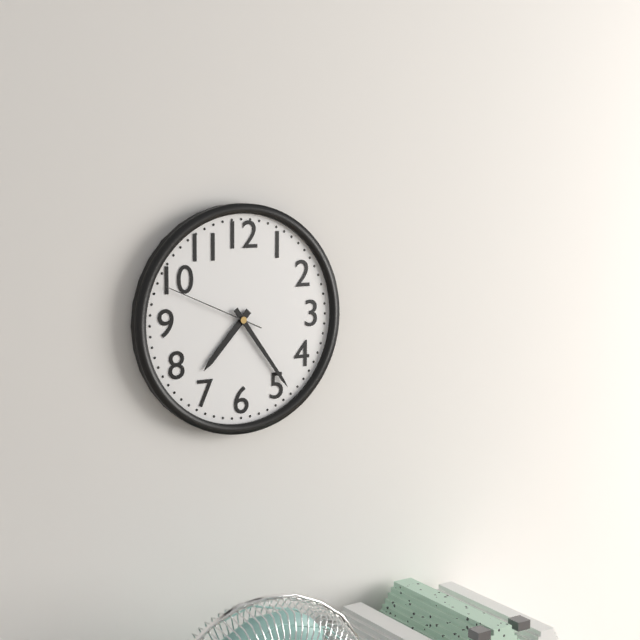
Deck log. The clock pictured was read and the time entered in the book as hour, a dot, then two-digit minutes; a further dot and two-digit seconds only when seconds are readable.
7.24.49
